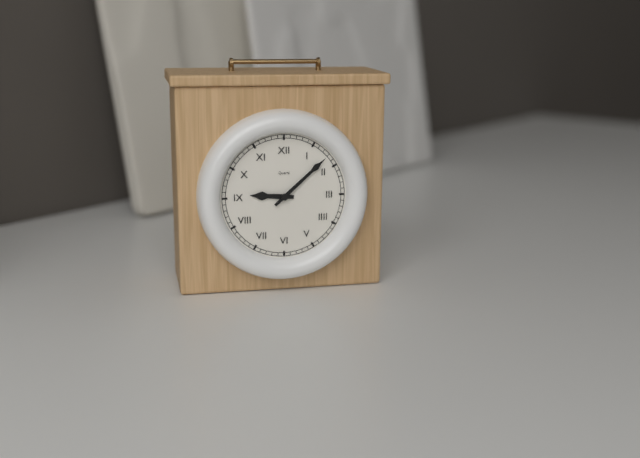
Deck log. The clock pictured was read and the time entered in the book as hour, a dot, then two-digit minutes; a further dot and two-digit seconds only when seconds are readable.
9.08
